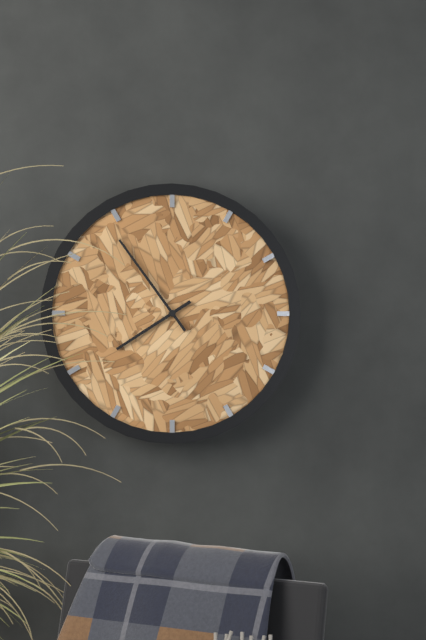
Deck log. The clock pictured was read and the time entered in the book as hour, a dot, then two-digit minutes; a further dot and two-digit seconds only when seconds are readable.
7.54
